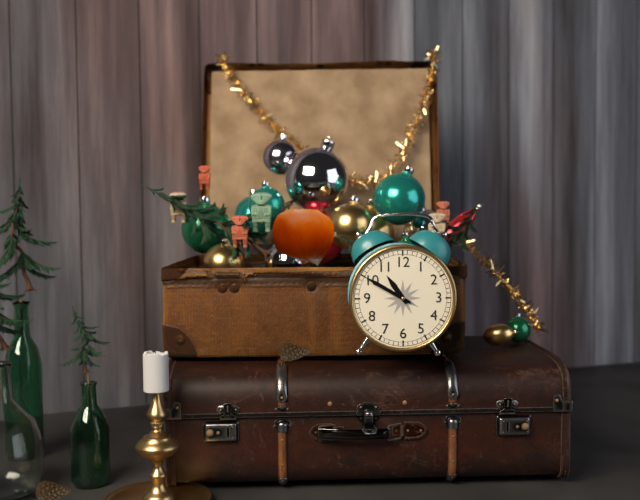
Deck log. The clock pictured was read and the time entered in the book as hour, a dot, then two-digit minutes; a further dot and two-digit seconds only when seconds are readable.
10.50
